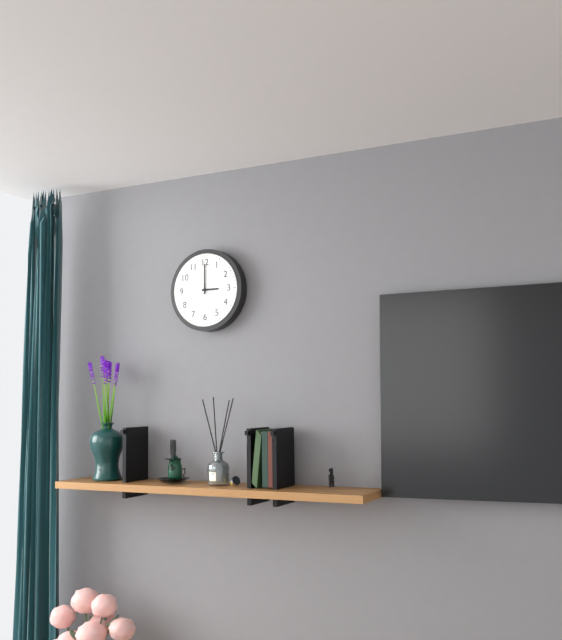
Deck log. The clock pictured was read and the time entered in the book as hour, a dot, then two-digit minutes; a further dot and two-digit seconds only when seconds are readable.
3.00
